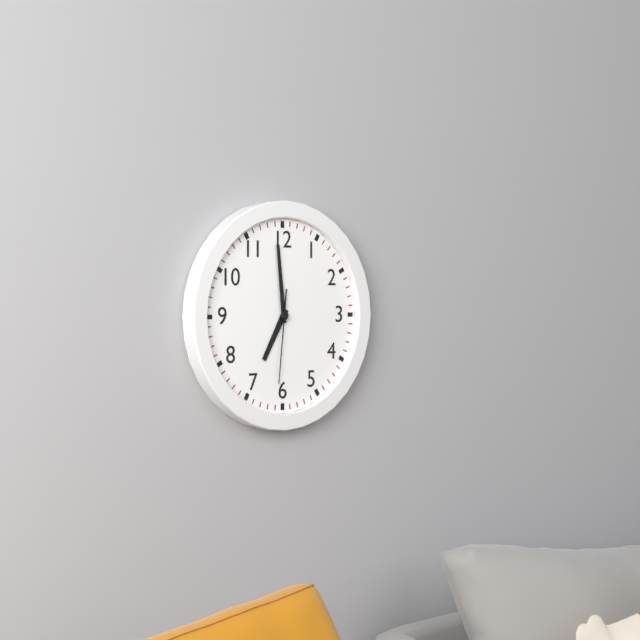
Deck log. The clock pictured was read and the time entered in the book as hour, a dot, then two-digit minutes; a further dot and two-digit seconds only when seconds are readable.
6.59.31
